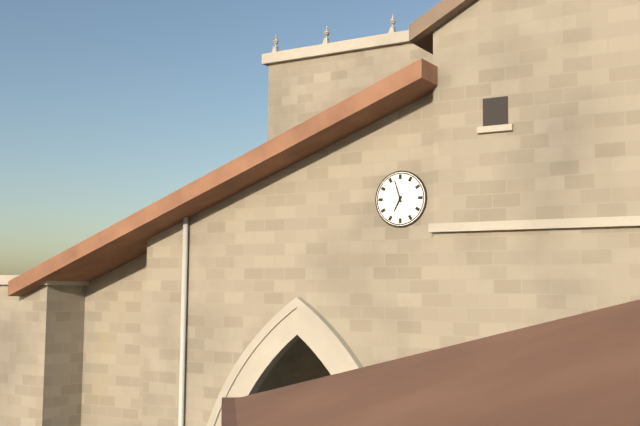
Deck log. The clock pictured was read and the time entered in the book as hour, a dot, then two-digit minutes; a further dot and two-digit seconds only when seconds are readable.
6.57
